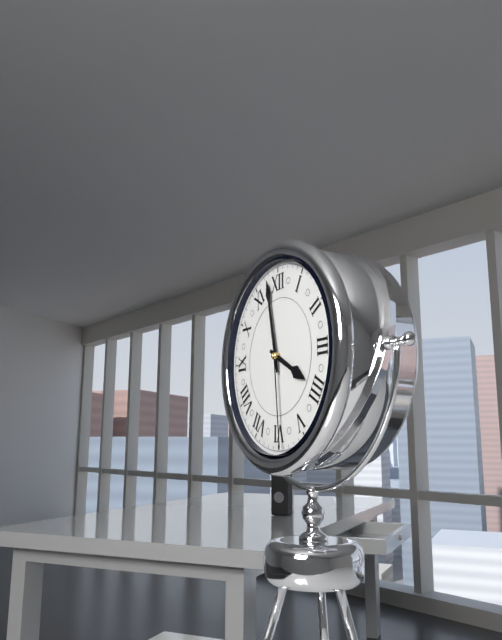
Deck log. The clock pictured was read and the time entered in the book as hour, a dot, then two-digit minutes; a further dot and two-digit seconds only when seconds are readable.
3.58.29
